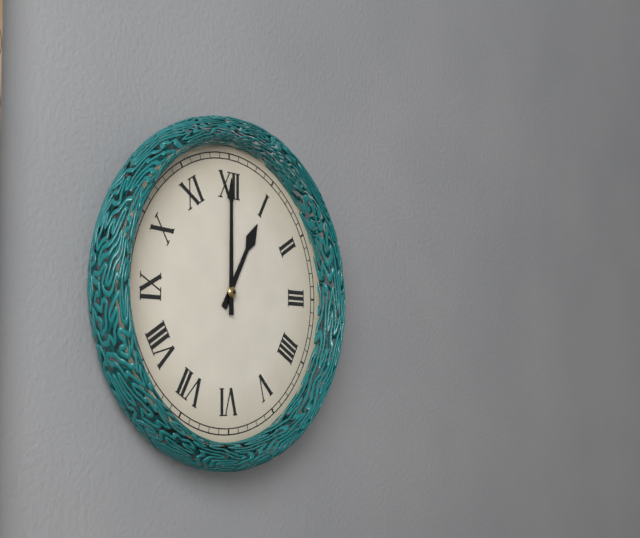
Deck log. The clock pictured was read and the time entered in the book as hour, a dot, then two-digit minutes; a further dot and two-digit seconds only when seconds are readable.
1.00
